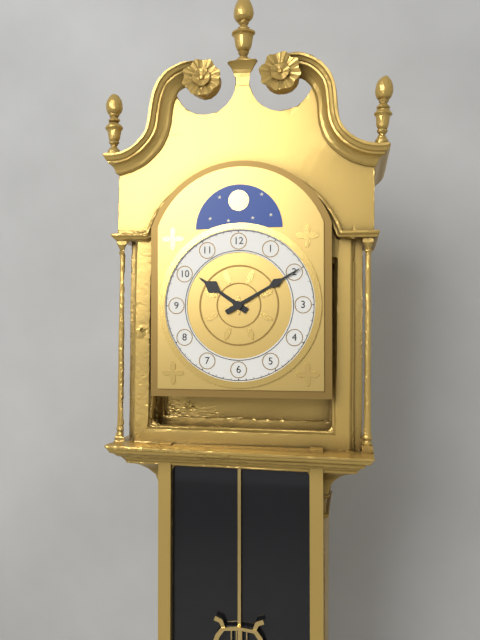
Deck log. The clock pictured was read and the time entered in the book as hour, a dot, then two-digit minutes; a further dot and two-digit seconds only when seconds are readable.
10.10
